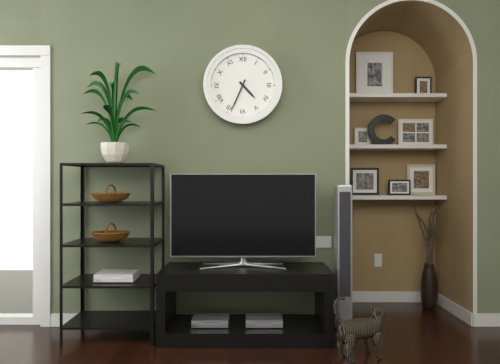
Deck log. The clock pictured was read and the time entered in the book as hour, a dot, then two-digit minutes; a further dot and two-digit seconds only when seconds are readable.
4.34
